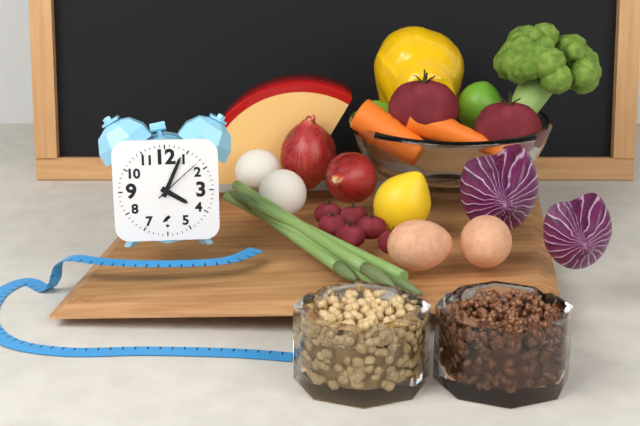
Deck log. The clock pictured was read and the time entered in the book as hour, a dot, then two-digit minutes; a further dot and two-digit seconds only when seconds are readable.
4.04.08
